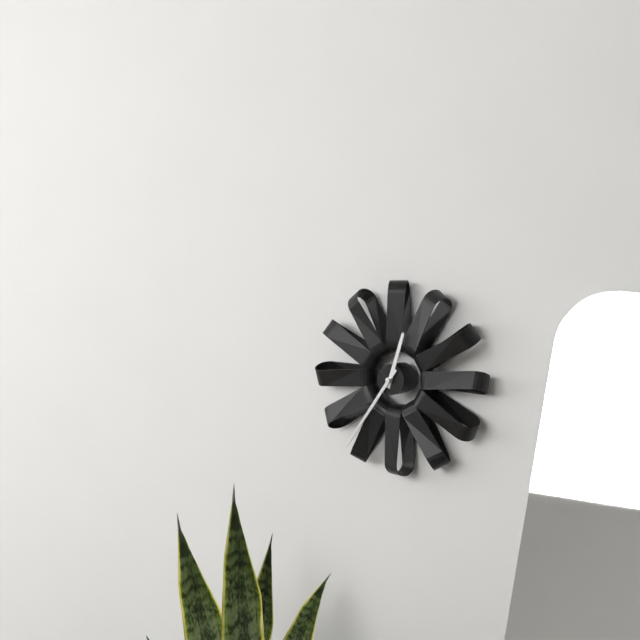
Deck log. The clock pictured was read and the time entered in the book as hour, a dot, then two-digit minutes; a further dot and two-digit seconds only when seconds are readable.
12.36
